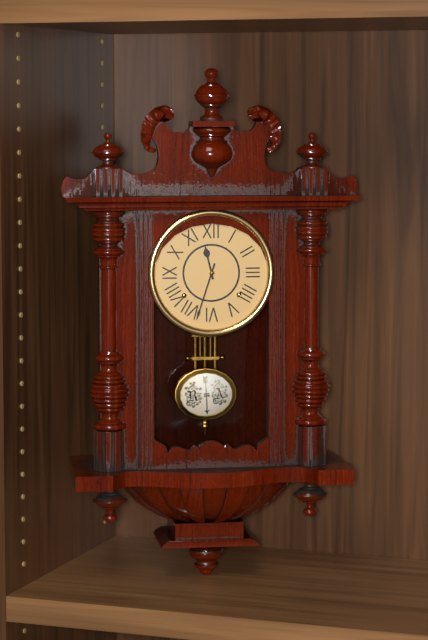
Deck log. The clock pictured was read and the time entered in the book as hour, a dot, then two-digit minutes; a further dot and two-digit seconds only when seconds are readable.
11.33
